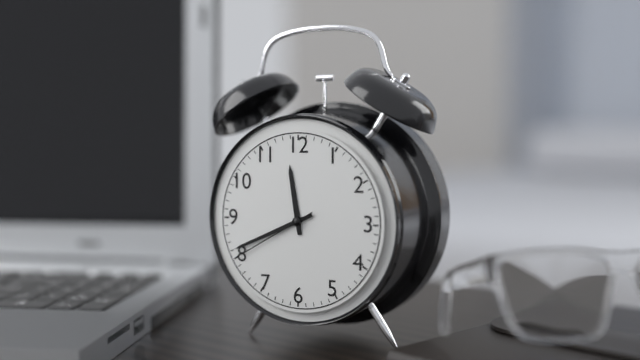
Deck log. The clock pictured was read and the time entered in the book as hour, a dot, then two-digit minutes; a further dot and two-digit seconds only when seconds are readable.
11.41.40
